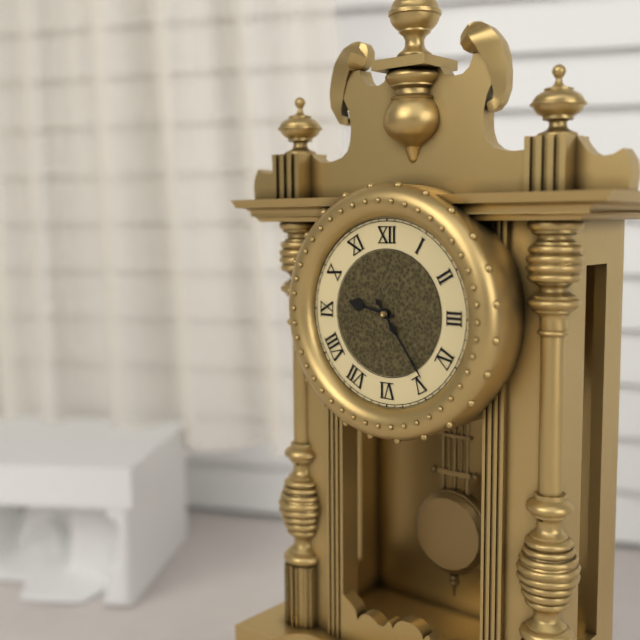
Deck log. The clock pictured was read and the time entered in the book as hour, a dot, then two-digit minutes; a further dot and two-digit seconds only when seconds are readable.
9.24
